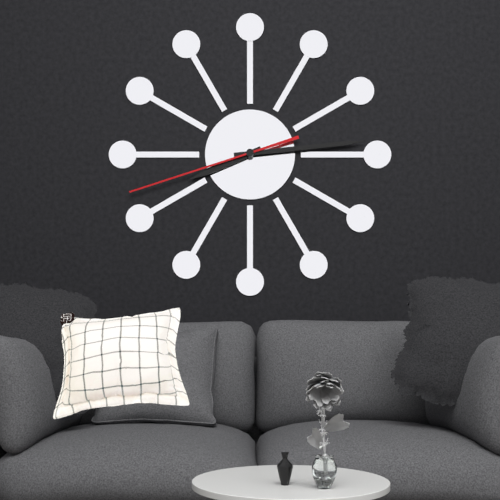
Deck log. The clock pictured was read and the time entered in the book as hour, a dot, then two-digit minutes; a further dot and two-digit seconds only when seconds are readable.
8.14.42
